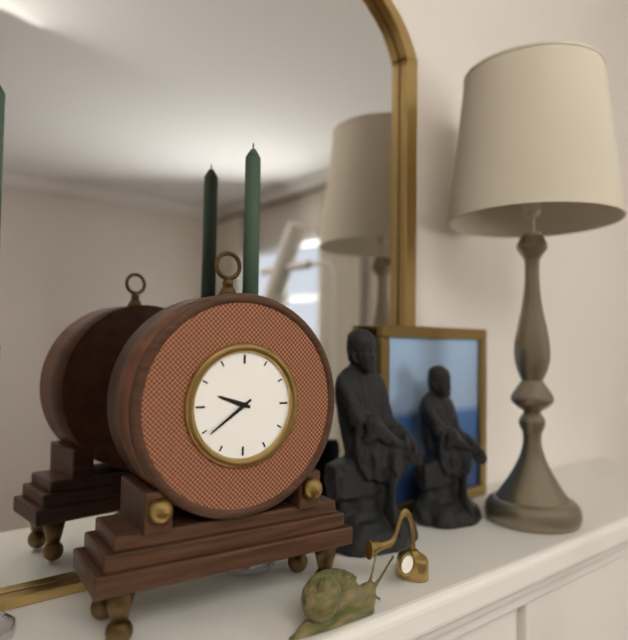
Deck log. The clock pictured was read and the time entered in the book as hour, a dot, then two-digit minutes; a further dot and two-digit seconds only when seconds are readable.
9.39
